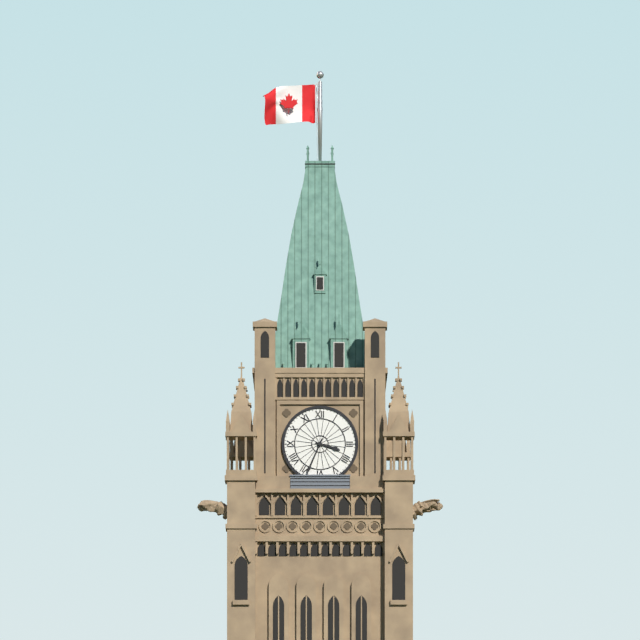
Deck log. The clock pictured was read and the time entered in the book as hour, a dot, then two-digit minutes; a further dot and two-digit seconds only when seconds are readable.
3.34
